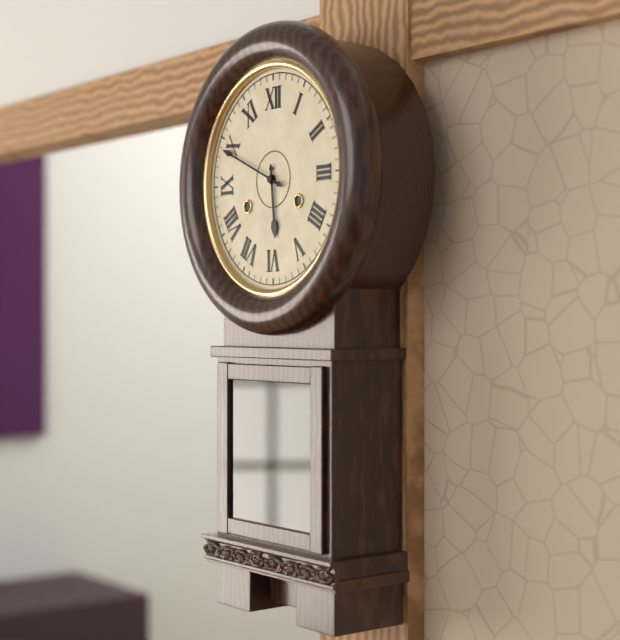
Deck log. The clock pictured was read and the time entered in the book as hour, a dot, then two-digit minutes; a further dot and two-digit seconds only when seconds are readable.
5.49
